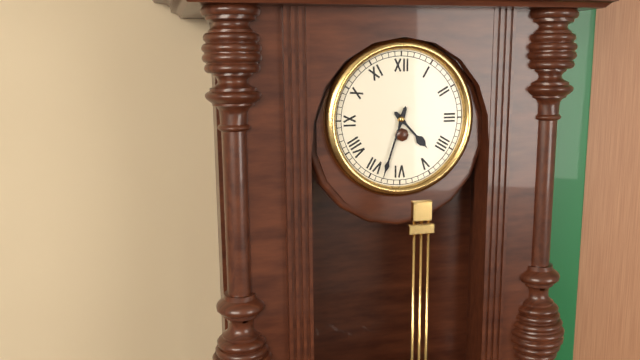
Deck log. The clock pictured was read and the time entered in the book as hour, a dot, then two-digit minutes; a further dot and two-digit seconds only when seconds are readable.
4.33
